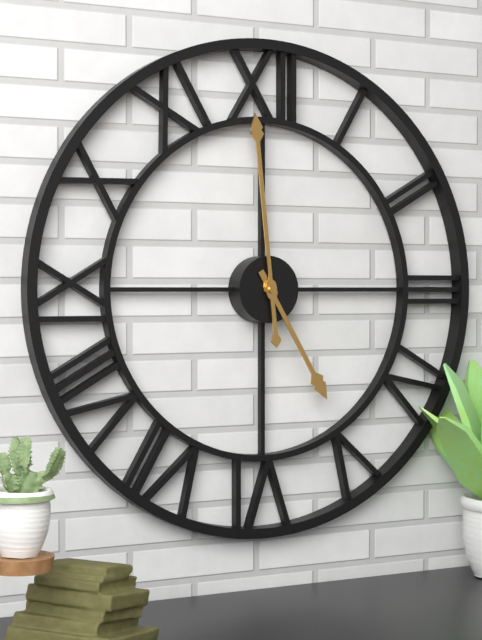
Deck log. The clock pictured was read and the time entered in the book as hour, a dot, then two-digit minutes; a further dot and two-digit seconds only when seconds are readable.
4.59
